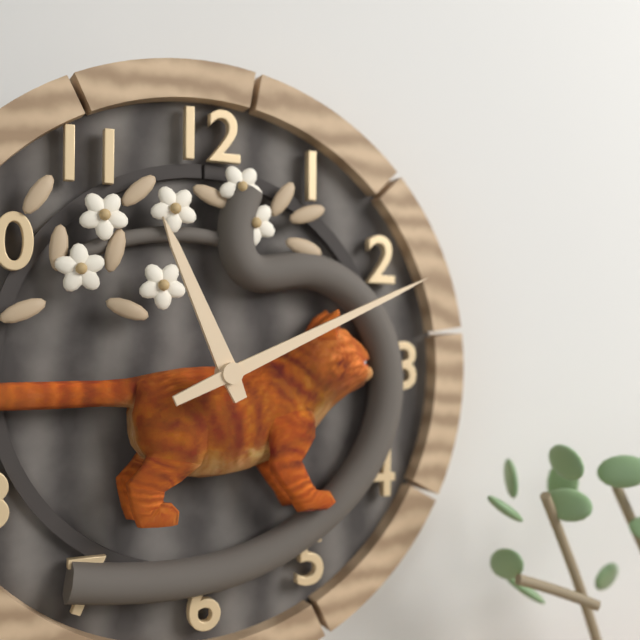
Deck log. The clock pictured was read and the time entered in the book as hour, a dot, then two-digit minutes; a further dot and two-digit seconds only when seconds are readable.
11.11
